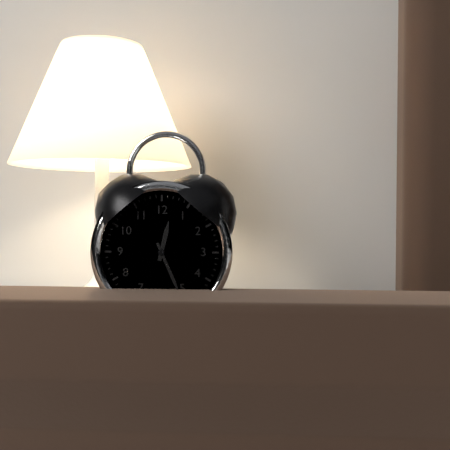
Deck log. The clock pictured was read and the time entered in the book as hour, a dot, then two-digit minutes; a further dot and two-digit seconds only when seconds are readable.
12.26
